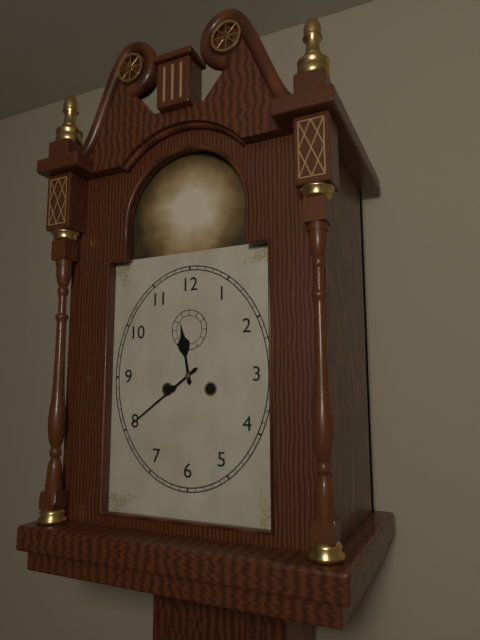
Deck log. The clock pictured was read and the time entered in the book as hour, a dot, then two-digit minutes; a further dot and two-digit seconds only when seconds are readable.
11.39
